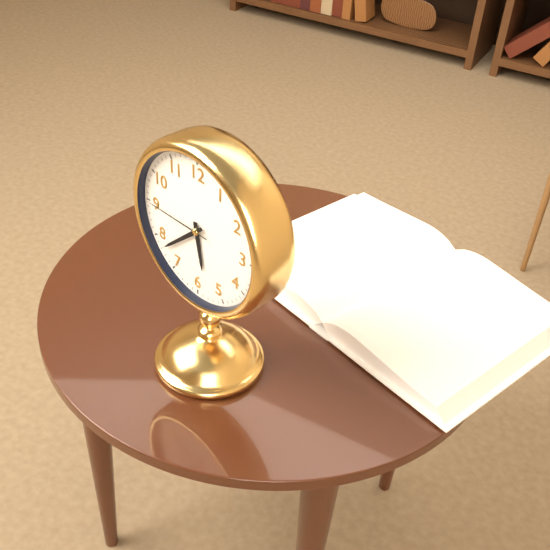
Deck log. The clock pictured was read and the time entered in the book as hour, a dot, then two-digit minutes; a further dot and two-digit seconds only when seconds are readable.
5.38.45
